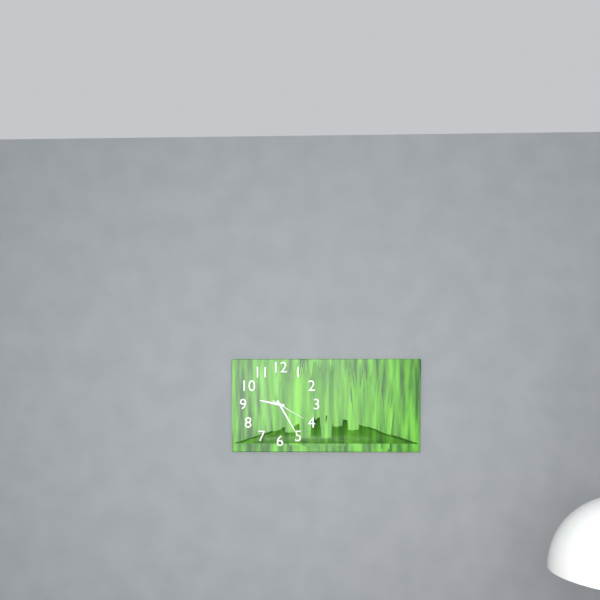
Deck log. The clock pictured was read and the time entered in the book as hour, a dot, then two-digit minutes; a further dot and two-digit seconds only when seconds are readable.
9.25
